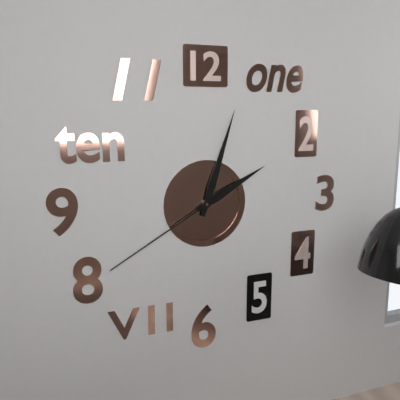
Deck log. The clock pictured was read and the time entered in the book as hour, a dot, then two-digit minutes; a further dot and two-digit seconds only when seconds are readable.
2.03.40
